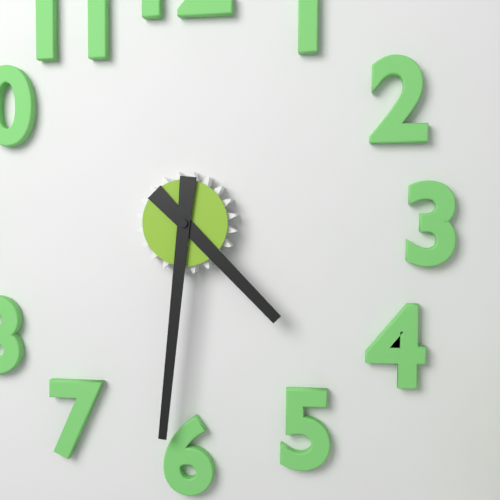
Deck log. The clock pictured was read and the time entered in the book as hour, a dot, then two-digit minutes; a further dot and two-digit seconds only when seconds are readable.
4.31
